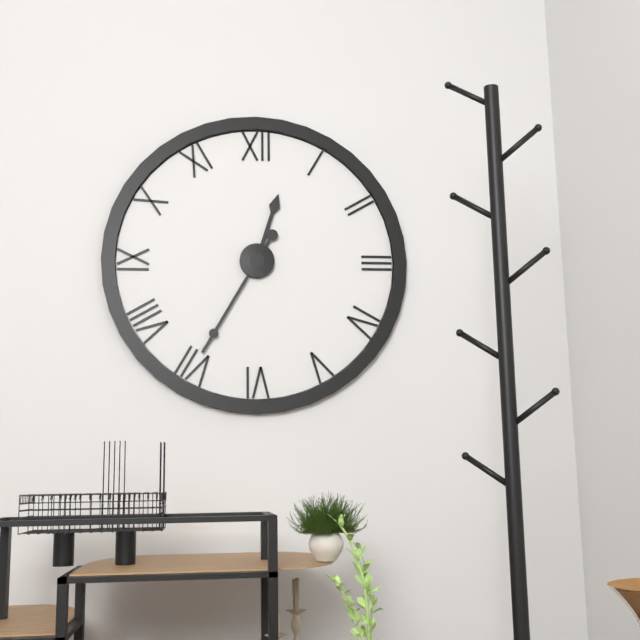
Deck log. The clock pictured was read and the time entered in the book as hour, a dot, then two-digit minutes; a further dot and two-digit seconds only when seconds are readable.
12.35
